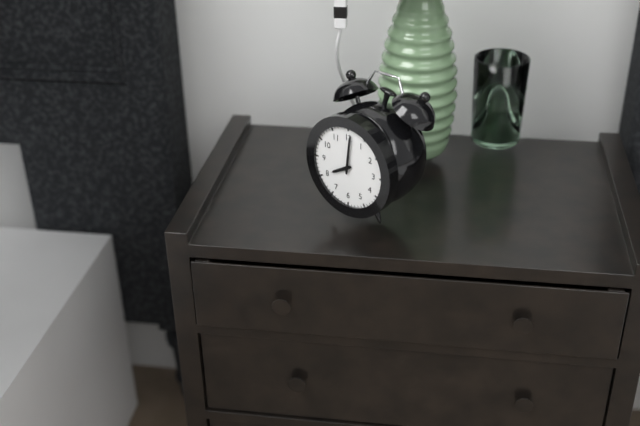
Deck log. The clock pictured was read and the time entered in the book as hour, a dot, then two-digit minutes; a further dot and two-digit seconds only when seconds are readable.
8.01
